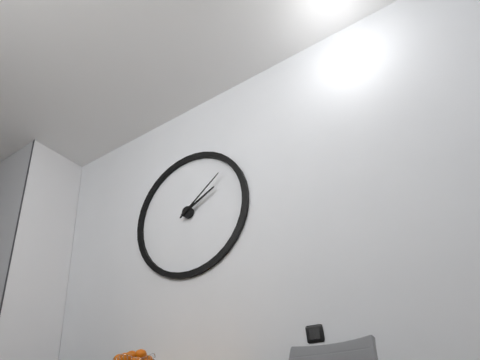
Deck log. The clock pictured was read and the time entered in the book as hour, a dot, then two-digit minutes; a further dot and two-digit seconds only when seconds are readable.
2.09
